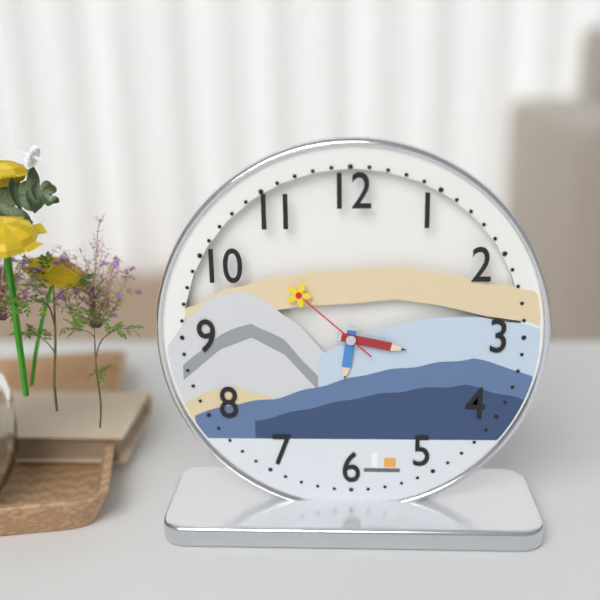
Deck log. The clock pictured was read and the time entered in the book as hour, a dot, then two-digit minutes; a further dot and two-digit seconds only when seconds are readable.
6.17.52
